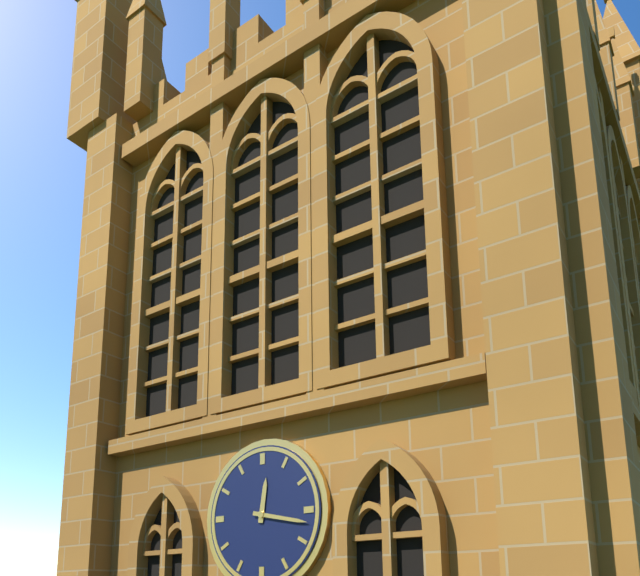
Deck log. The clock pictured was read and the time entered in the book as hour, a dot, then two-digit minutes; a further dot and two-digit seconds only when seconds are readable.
12.17
